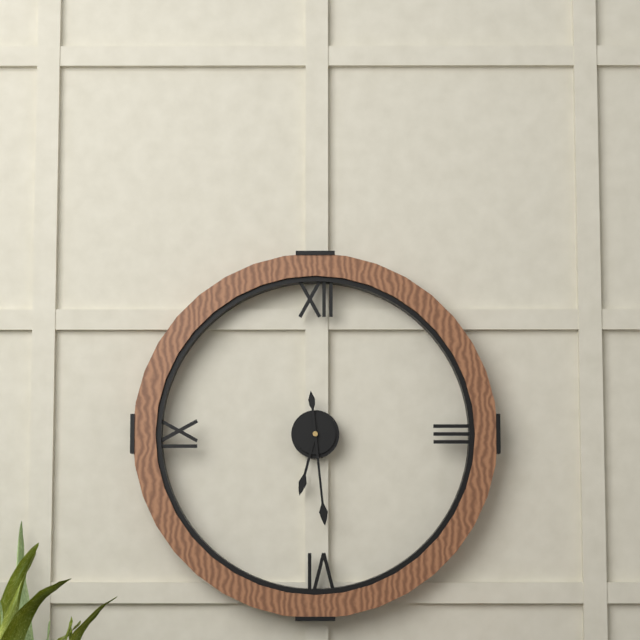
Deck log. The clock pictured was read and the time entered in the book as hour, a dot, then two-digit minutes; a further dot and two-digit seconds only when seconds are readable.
6.29
